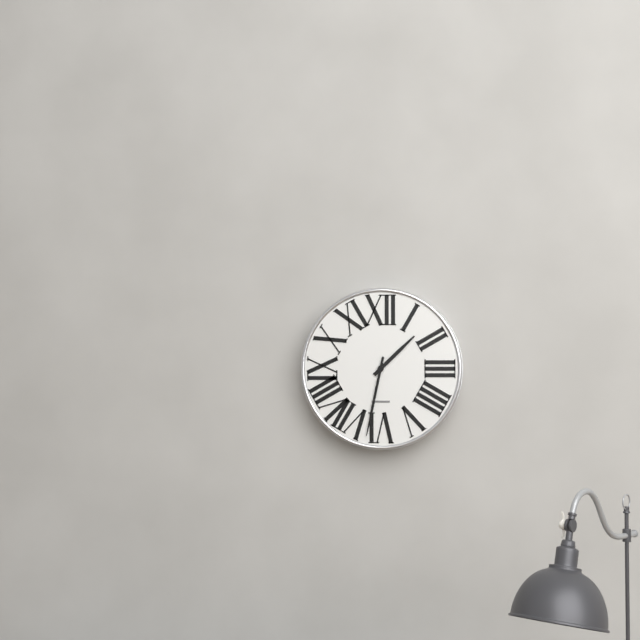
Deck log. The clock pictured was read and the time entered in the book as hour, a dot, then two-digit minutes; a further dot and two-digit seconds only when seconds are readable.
1.32
